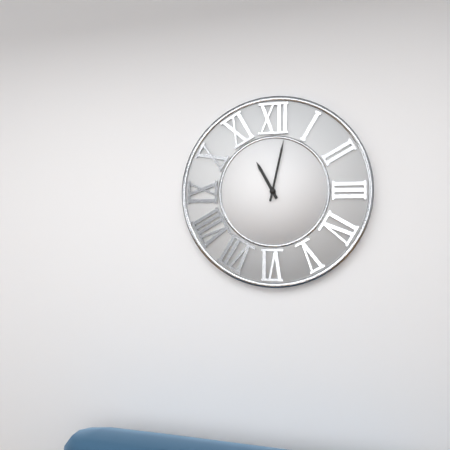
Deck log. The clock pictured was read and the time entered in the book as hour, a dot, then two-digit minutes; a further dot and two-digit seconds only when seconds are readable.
11.02
